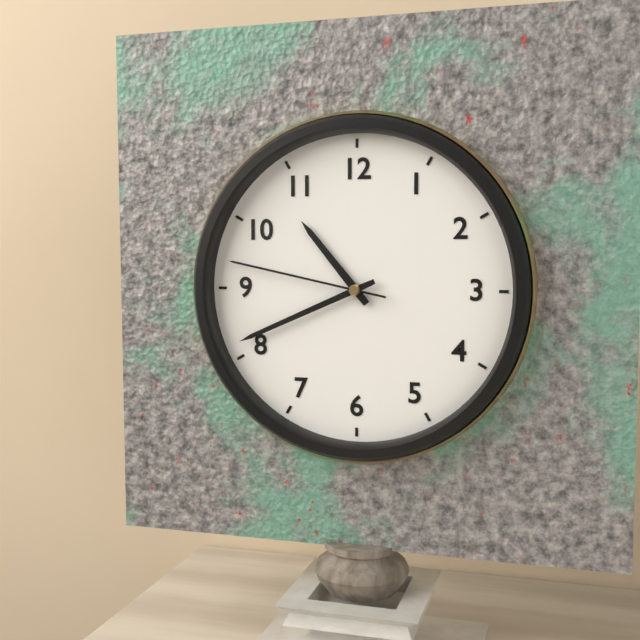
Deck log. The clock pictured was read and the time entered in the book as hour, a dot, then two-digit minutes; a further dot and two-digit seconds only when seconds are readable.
10.41.47
